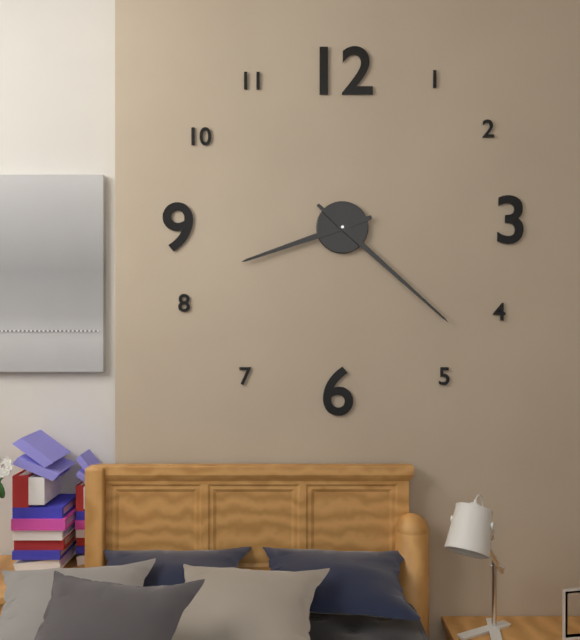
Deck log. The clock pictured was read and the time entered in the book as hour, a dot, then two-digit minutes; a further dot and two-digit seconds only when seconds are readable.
8.22
